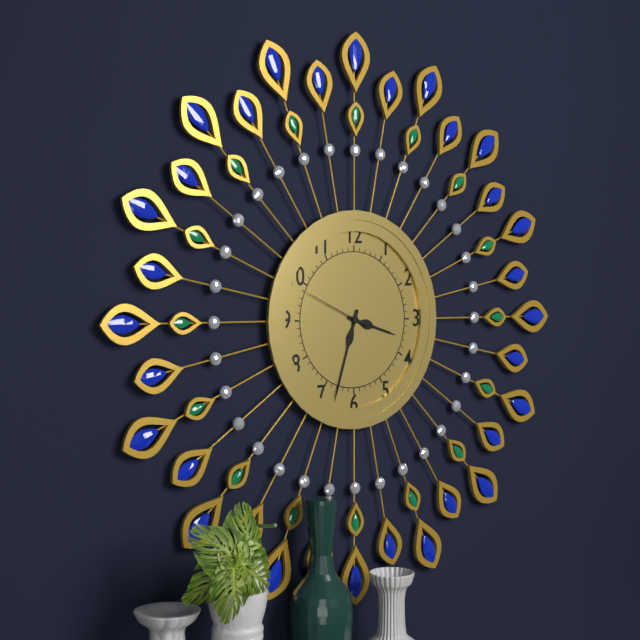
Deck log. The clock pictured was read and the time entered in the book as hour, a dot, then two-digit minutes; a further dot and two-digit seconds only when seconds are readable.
3.33.49
